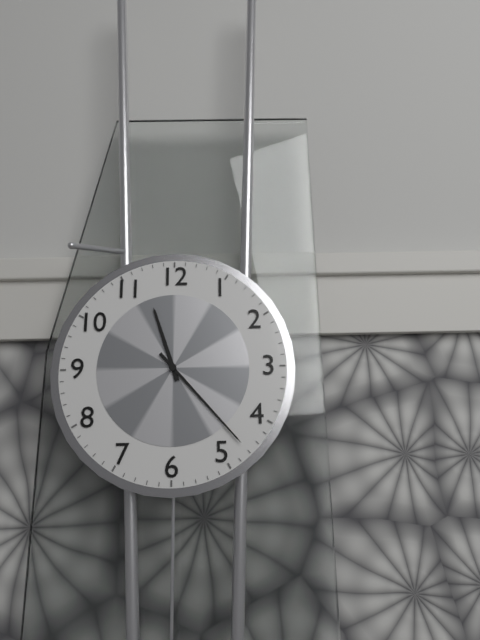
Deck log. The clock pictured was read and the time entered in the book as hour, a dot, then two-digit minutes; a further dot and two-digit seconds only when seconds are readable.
11.23
